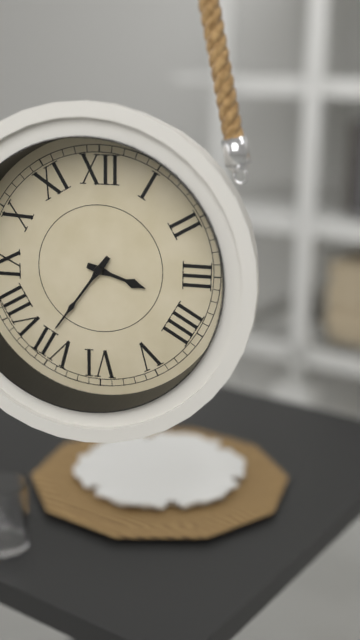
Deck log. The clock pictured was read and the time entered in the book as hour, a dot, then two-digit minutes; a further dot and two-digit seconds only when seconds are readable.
3.36
